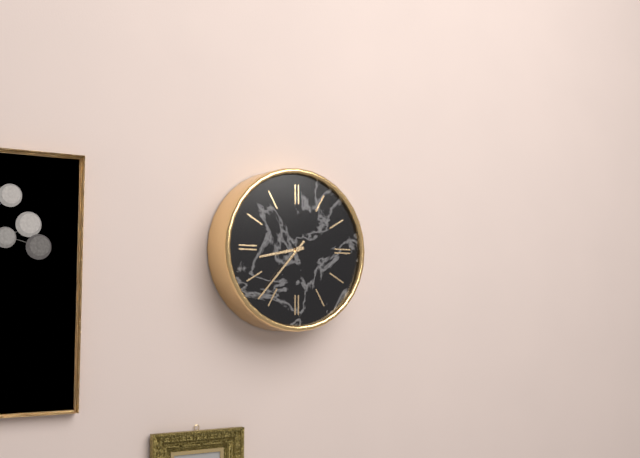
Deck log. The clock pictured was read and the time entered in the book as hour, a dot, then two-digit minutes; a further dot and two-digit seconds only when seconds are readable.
8.37
